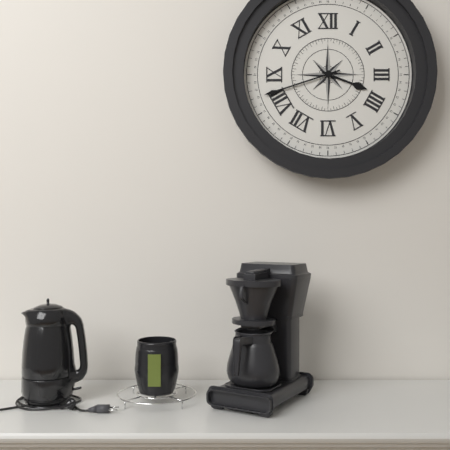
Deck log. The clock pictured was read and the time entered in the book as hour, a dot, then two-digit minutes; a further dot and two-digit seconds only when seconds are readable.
3.42
